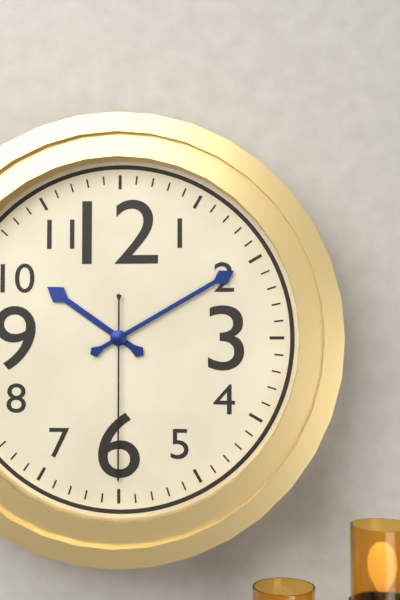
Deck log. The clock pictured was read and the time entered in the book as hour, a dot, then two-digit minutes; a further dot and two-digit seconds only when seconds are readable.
10.10.30
